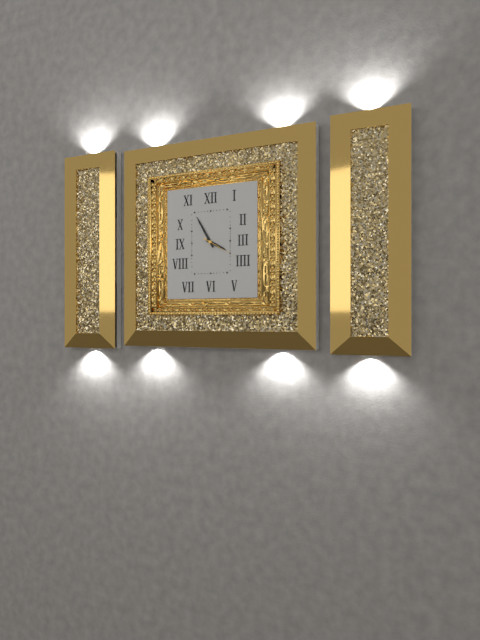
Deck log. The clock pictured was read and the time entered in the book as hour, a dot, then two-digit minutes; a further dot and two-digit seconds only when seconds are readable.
3.55
